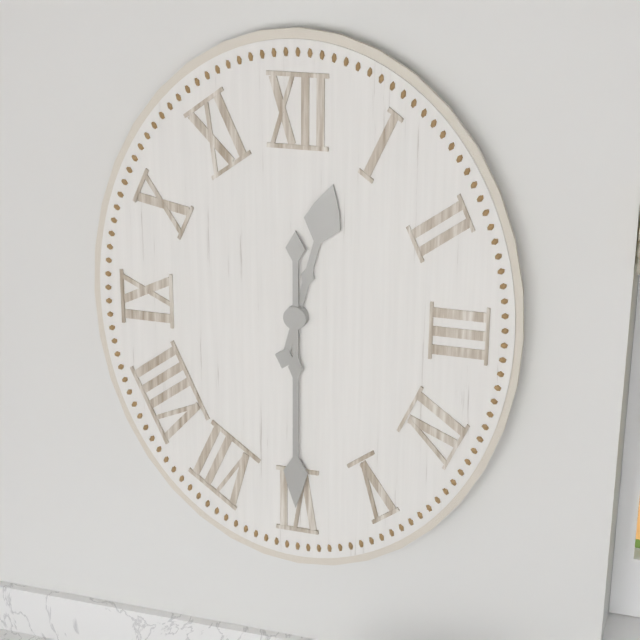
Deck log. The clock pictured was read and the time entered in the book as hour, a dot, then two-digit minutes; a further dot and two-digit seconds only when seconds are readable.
12.30
